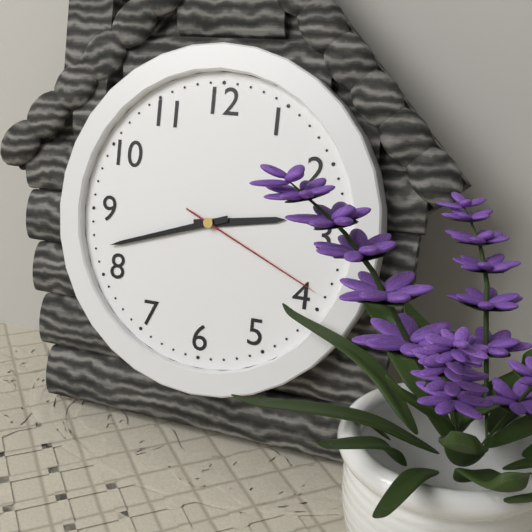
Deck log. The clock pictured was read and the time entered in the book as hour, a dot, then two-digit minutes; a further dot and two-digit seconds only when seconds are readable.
2.42.19
